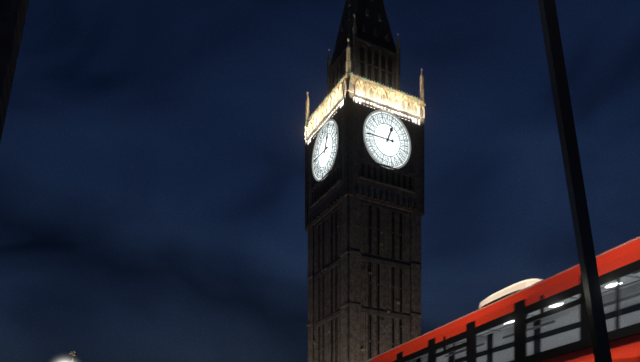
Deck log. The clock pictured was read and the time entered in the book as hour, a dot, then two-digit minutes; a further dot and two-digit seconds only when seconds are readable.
12.45
